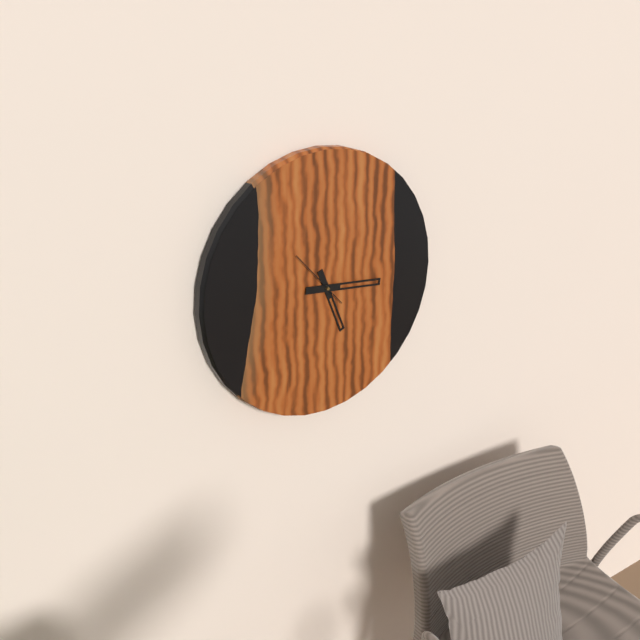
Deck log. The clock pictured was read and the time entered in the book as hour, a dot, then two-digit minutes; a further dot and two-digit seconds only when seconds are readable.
5.16.53
